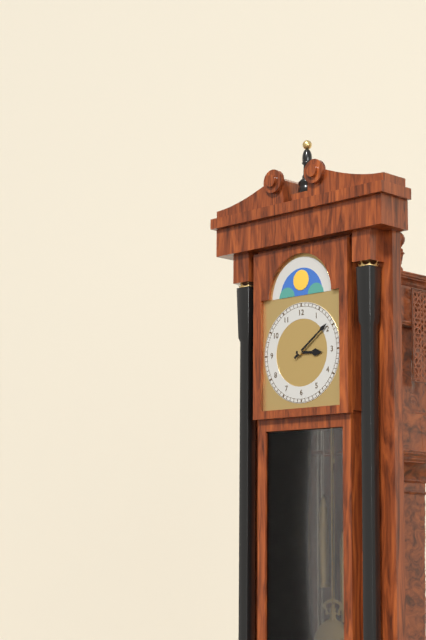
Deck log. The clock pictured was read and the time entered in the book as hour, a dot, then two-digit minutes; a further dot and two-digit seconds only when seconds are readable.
3.09
